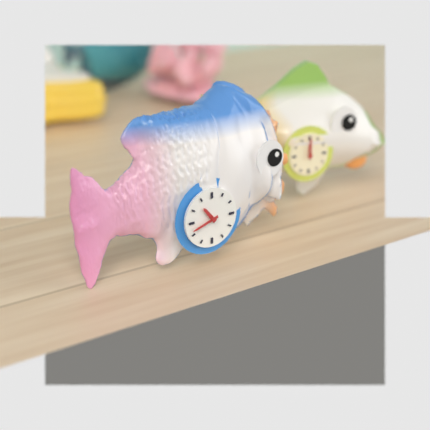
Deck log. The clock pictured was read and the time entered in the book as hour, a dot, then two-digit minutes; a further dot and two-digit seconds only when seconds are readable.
10.42
